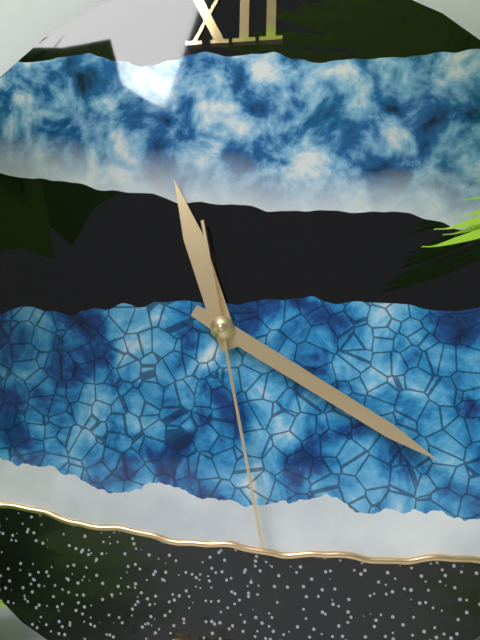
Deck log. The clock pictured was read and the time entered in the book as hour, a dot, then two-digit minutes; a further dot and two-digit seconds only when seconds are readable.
11.20.28
